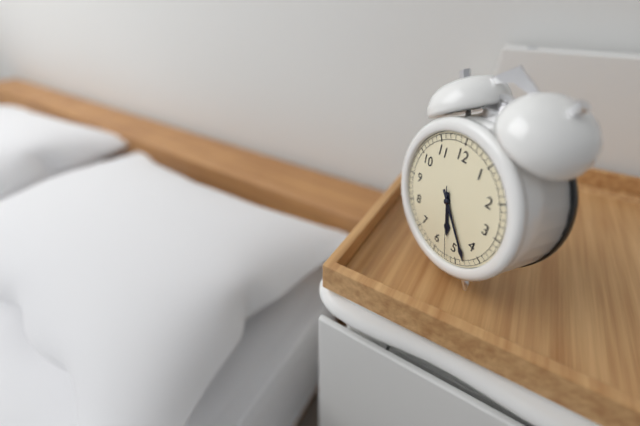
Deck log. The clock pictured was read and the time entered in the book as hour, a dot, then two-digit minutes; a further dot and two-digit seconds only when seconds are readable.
5.23.27
